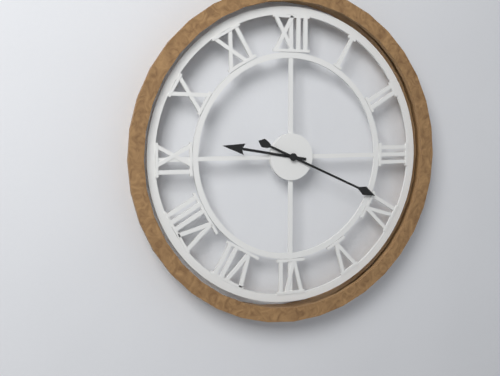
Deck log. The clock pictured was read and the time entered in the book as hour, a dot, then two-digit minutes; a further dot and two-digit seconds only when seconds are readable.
9.19
